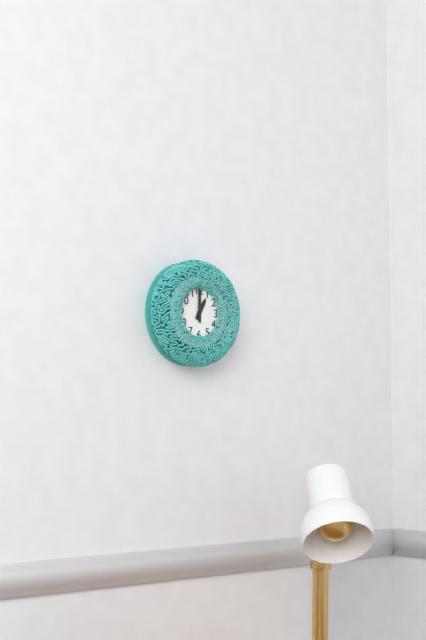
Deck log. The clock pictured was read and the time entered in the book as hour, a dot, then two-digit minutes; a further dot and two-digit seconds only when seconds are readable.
1.00
